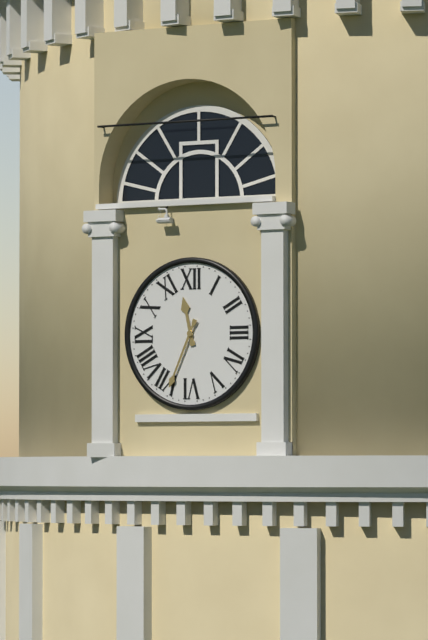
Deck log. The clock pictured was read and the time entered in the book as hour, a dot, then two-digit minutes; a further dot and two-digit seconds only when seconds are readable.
11.34
